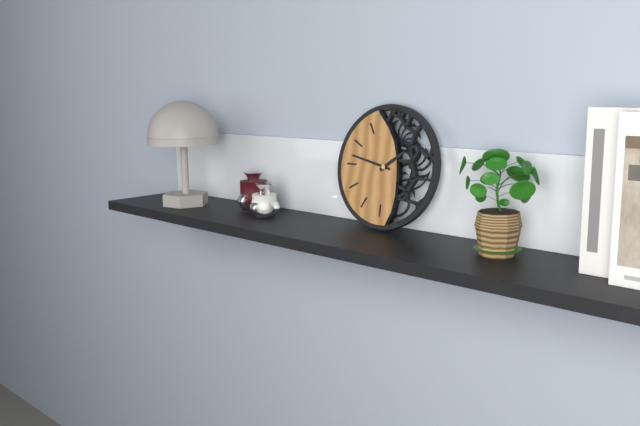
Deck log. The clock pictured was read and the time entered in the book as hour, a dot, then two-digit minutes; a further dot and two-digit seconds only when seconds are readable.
1.47
